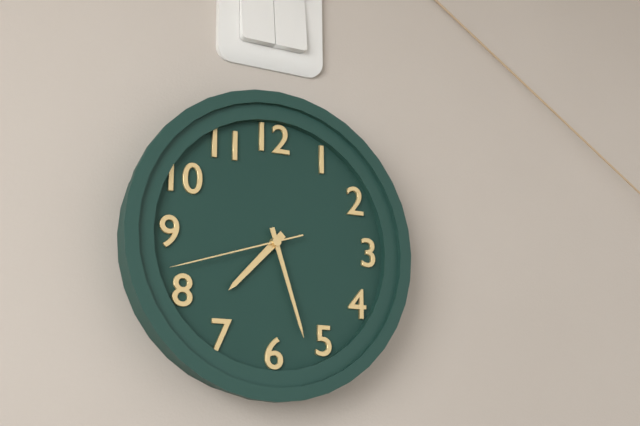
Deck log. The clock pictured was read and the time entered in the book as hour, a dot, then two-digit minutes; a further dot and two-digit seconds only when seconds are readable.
7.27.42
